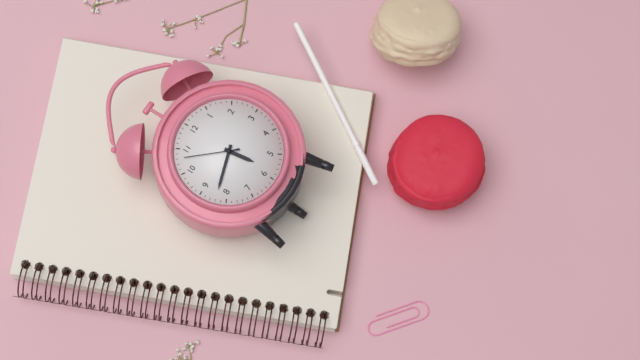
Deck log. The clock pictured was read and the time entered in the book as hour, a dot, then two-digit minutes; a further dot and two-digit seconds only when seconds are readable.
5.42.53
